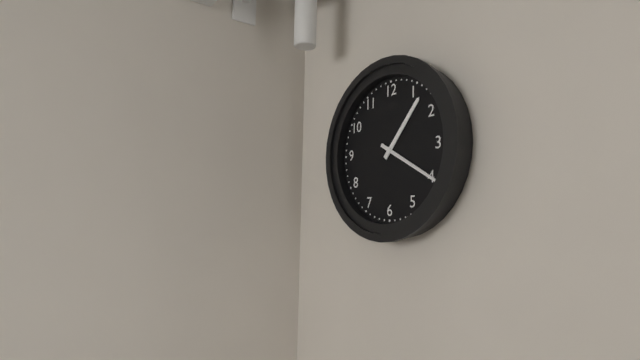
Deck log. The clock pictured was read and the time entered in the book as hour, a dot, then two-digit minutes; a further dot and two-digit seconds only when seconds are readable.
1.20
